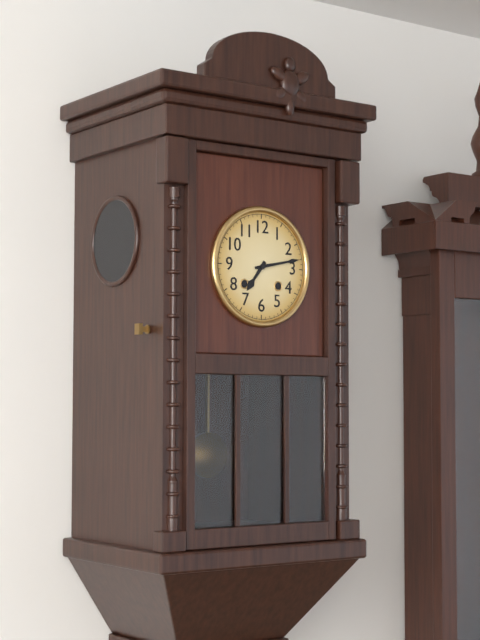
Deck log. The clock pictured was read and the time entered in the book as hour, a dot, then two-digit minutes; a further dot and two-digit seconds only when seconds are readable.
7.13
